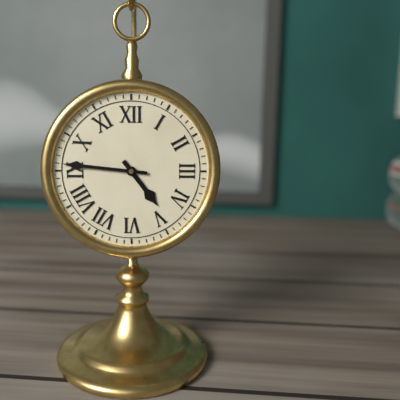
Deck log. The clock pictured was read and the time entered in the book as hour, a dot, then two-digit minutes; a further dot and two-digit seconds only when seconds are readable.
4.46
